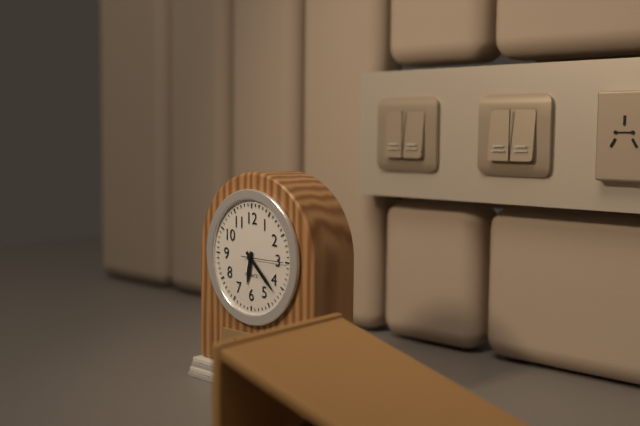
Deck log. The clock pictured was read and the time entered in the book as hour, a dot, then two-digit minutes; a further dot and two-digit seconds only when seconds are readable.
6.22
